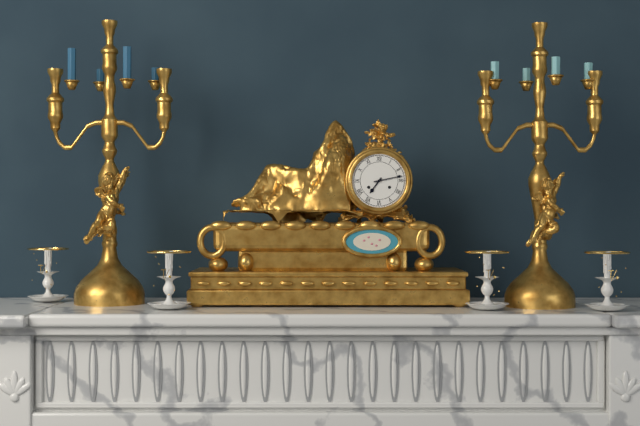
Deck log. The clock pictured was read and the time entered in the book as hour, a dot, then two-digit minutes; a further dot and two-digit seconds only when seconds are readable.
7.13
